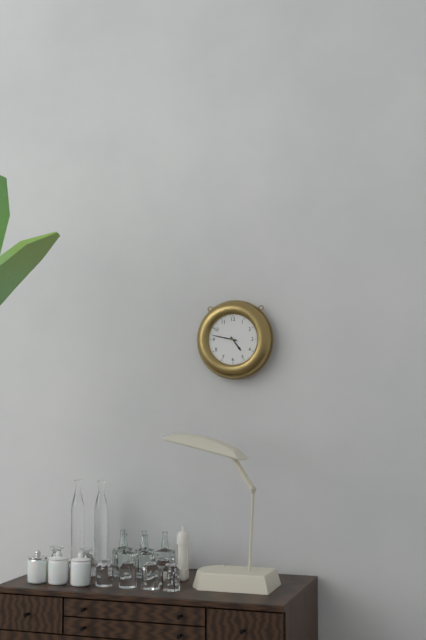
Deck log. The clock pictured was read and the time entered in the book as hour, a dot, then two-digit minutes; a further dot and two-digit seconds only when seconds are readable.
4.47
